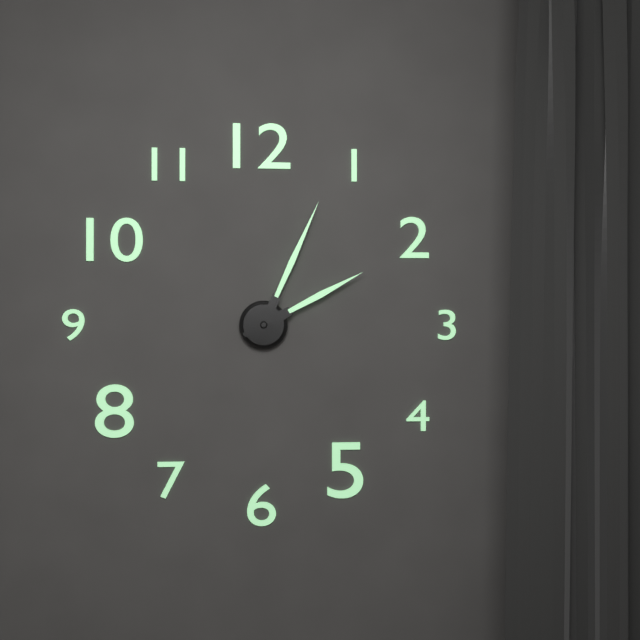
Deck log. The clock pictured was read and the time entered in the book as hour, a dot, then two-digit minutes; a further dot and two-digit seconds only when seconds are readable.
2.04
